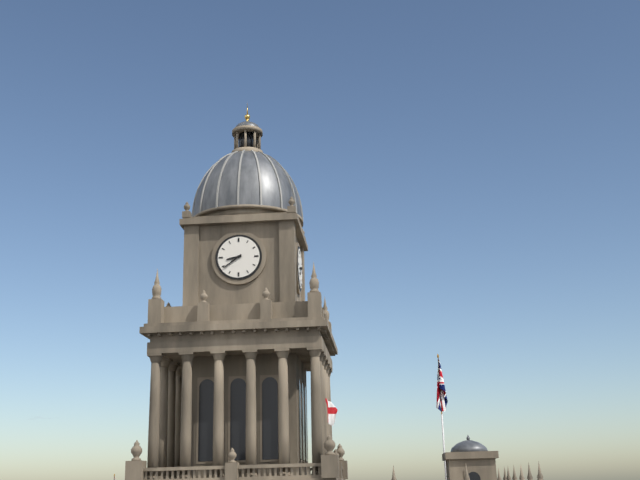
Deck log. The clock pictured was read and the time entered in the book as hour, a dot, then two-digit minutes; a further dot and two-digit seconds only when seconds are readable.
8.39
